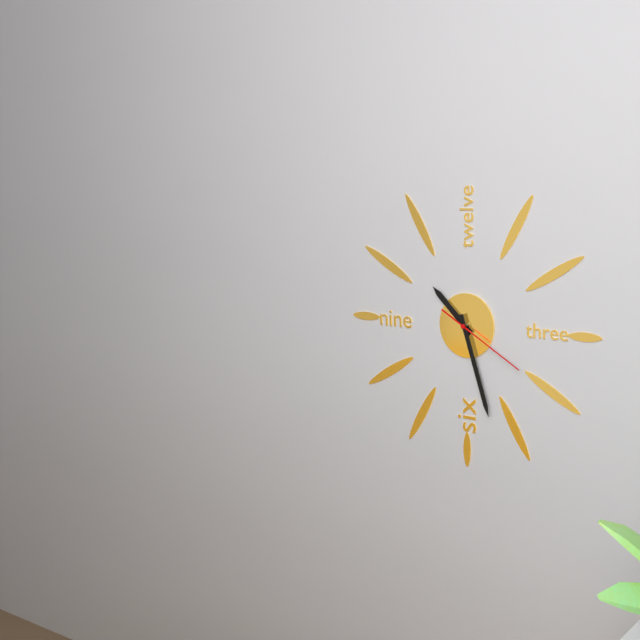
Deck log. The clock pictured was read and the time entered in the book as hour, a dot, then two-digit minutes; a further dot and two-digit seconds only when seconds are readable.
10.27.20
